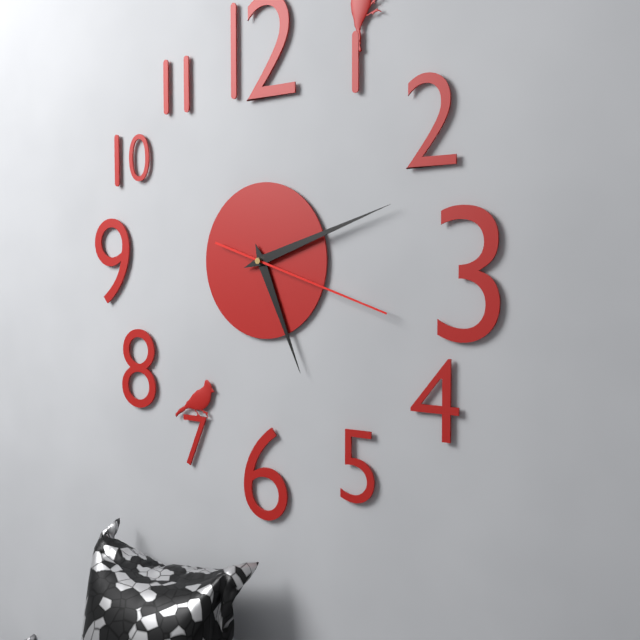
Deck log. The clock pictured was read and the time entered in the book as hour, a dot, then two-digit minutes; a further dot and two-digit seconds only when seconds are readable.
5.12.18
